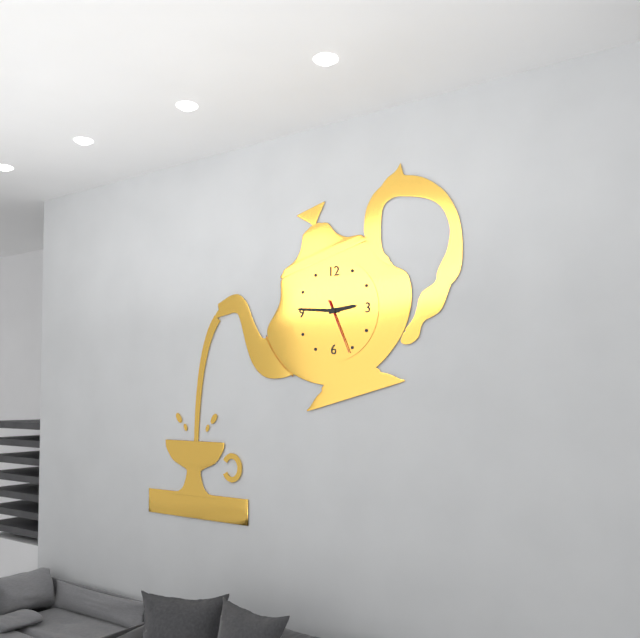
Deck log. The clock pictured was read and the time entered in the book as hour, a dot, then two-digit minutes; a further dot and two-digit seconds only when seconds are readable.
2.46.26
